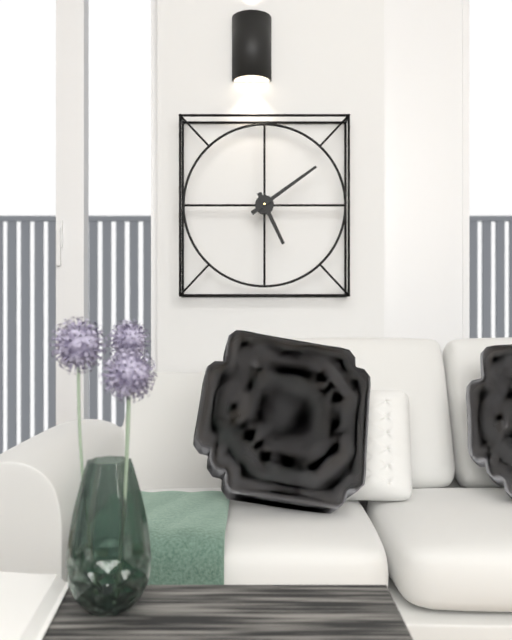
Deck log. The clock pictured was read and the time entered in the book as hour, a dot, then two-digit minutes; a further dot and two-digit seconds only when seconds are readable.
5.09
